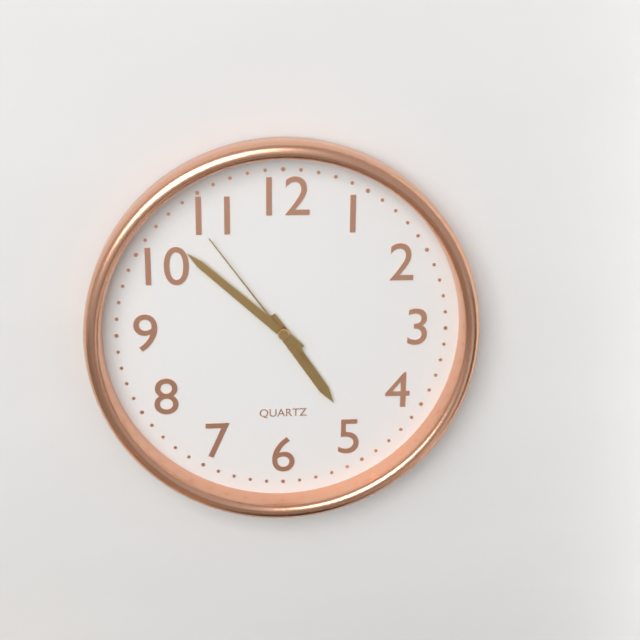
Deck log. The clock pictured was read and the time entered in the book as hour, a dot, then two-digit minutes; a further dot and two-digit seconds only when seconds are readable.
4.52.54
